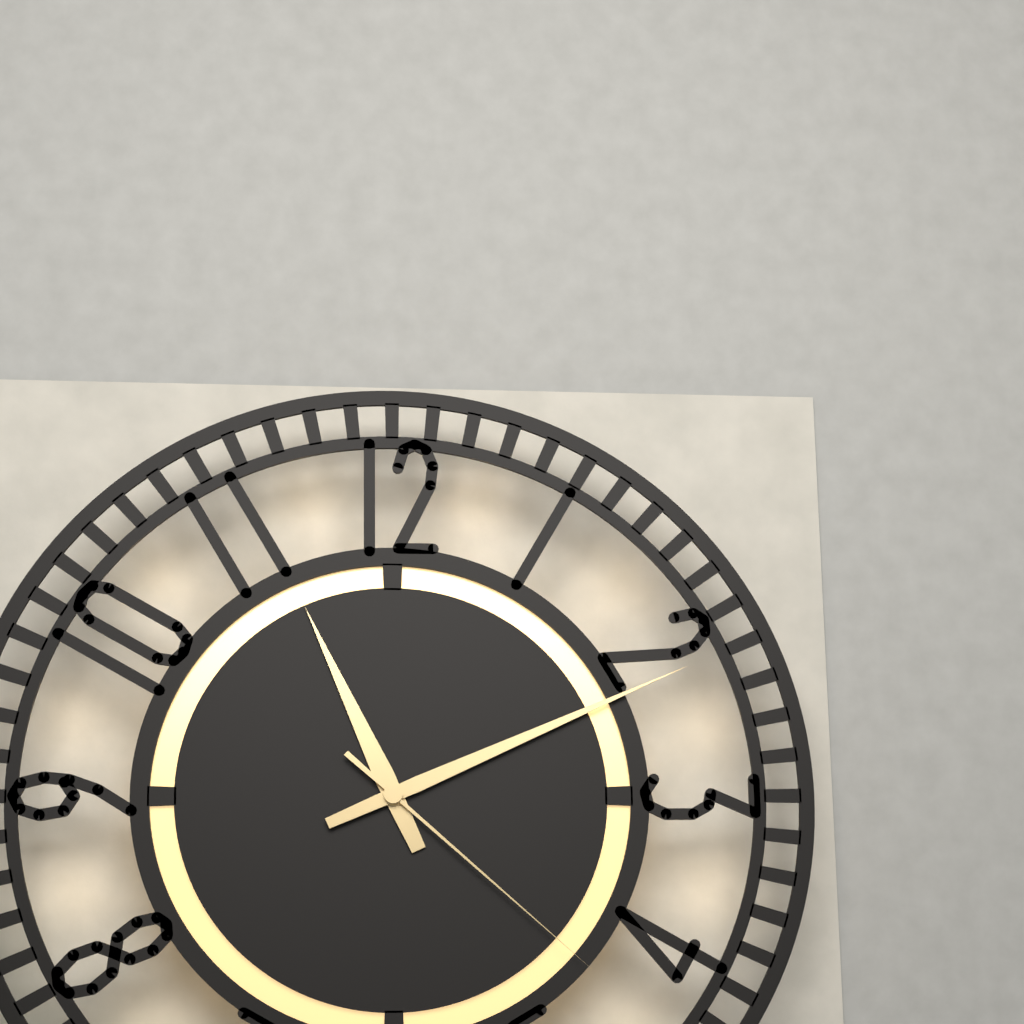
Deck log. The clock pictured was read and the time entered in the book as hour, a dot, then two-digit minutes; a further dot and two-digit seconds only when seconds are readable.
11.11.22
